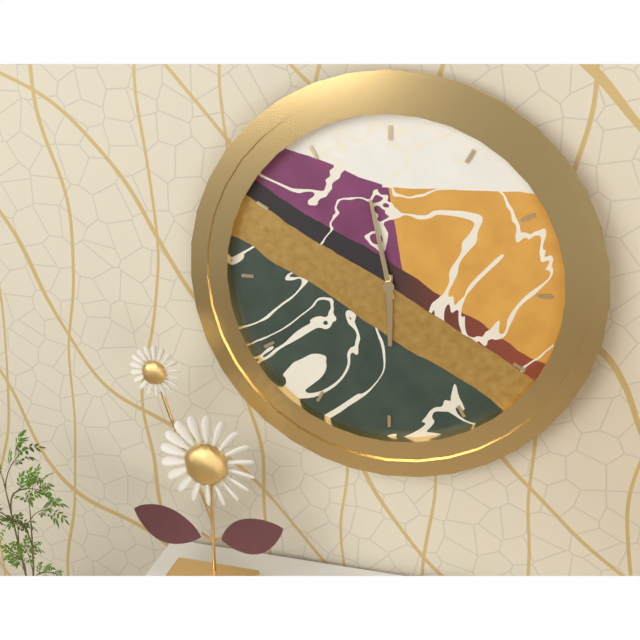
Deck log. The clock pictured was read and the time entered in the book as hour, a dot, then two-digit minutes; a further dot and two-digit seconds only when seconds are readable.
5.58
